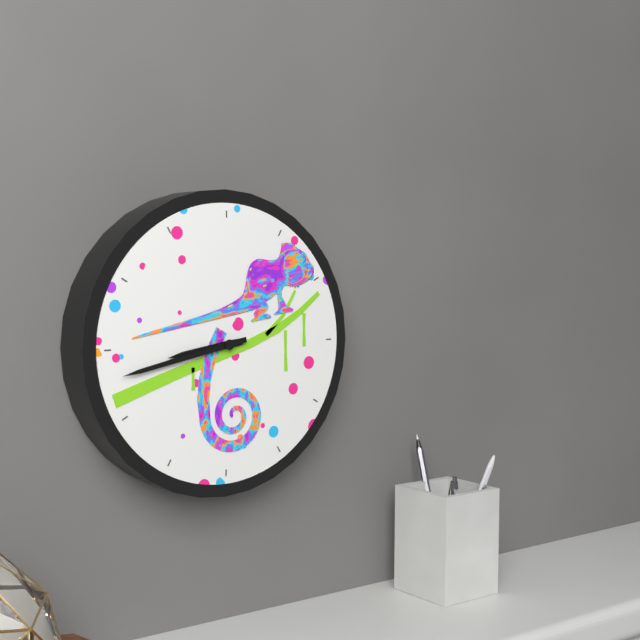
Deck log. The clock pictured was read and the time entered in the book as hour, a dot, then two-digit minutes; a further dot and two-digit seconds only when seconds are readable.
8.43
